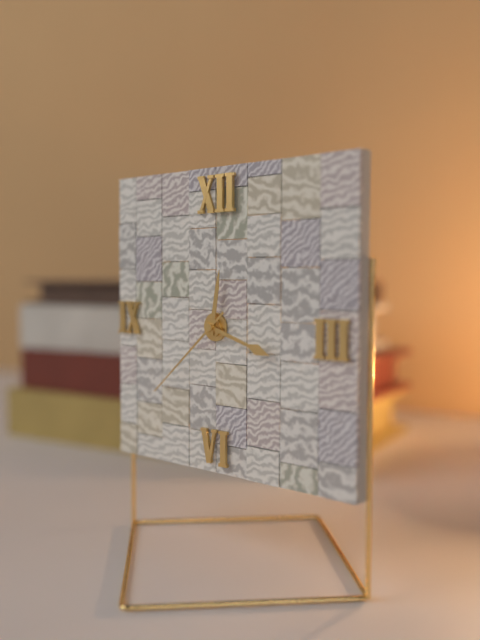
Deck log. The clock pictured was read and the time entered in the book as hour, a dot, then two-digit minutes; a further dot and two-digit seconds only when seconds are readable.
12.18.38
